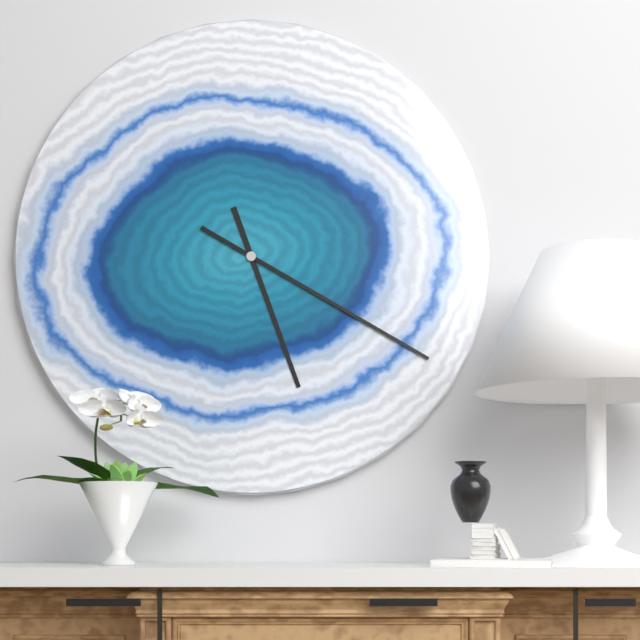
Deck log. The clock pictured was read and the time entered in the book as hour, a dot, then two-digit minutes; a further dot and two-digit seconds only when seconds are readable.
5.20
